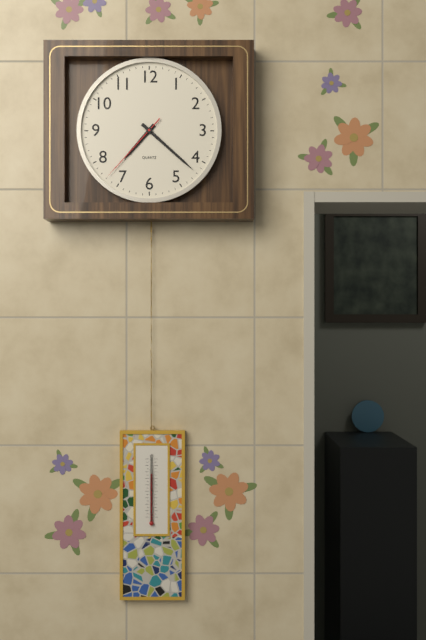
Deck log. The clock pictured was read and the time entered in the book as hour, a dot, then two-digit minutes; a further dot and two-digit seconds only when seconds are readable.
7.22.37
